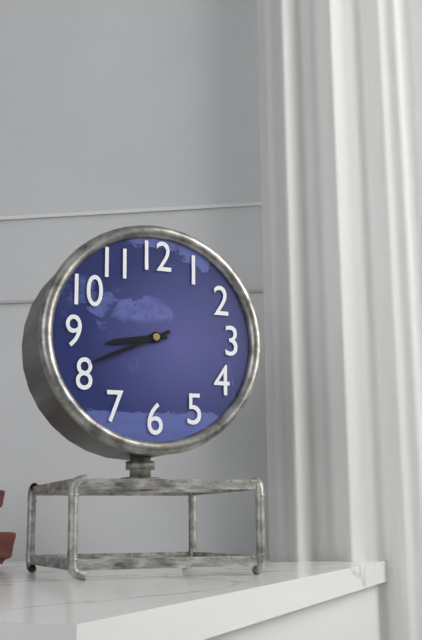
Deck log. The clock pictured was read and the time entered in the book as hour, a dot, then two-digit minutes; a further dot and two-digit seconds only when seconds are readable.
8.41
